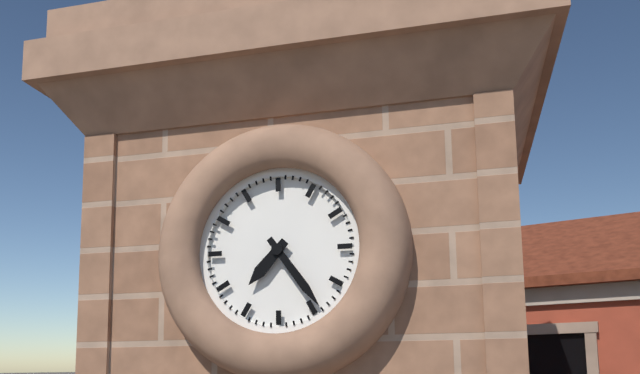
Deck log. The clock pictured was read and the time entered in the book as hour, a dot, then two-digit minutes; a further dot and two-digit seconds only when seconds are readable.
7.24
